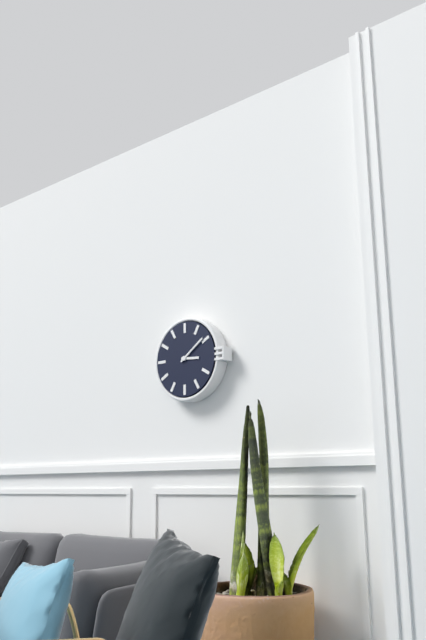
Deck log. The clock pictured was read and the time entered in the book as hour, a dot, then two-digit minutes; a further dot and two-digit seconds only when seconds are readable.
3.09
